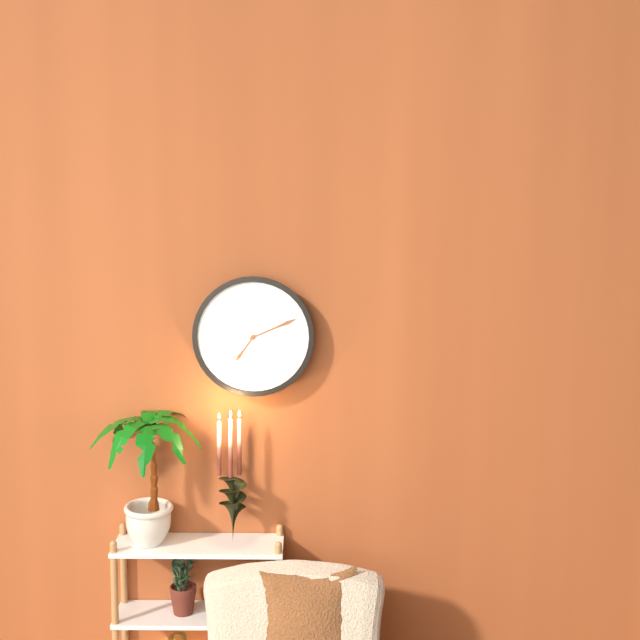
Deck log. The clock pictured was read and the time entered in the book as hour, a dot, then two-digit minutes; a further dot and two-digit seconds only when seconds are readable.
7.11
